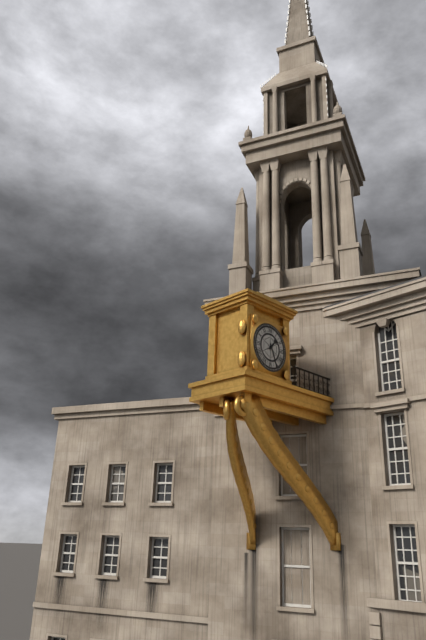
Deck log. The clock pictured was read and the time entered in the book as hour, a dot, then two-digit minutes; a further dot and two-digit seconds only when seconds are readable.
1.26
